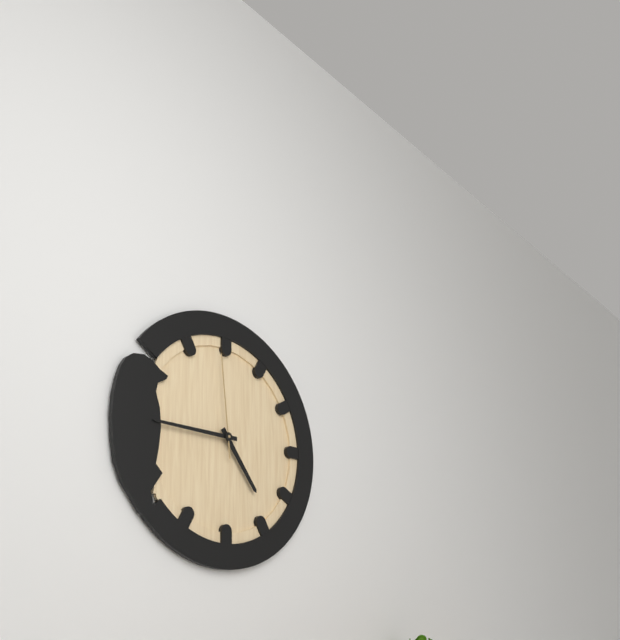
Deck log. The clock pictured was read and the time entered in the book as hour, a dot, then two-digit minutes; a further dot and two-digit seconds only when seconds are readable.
4.45.59
